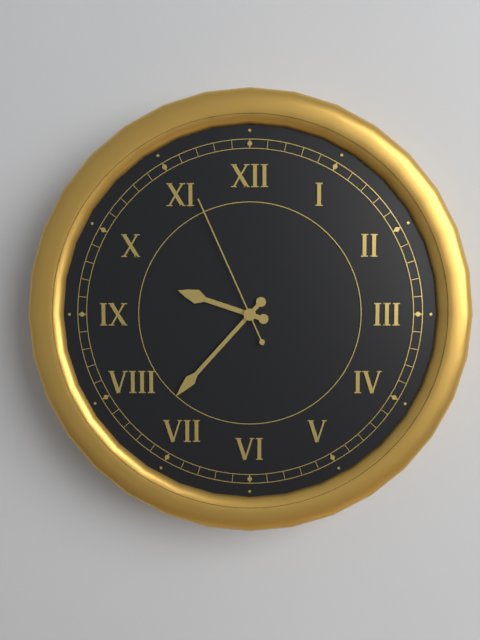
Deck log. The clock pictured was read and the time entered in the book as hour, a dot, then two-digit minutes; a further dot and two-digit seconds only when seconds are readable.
9.37.56
